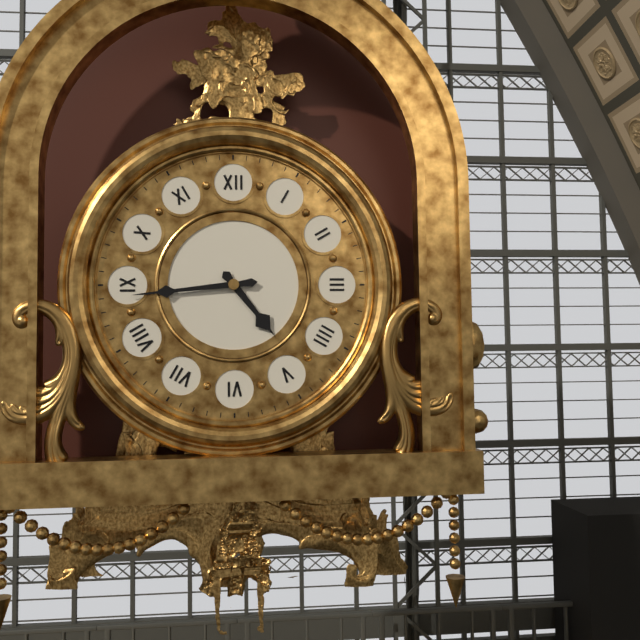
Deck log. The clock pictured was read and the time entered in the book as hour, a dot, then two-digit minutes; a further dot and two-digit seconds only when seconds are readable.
4.44
